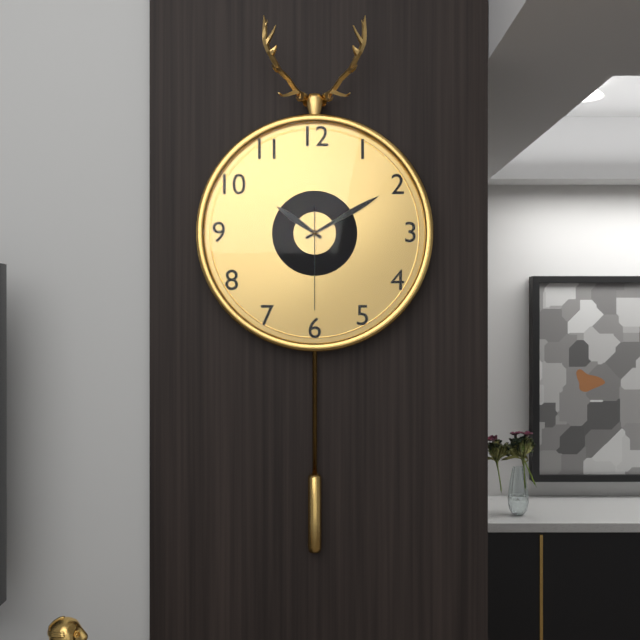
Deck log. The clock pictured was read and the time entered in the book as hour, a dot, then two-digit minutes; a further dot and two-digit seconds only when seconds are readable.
10.10.30
